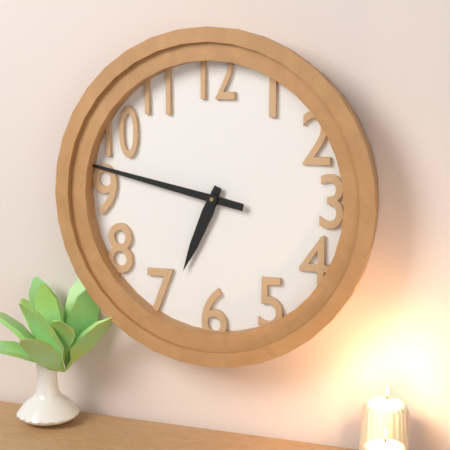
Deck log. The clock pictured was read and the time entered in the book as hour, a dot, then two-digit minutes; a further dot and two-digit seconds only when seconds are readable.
6.47
